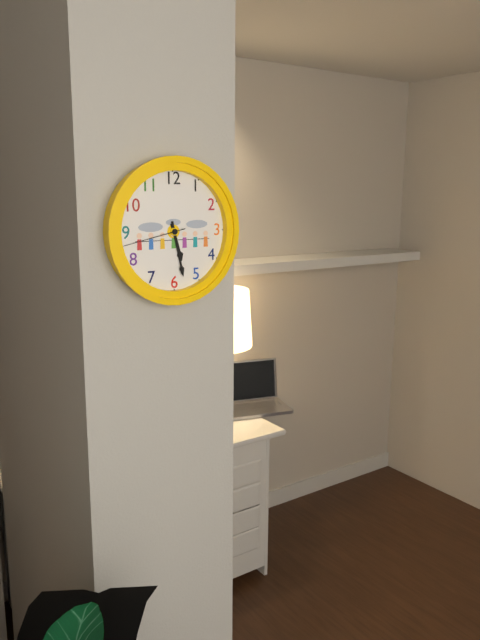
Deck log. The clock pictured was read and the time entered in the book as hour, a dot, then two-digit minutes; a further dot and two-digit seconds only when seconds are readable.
5.28.43
